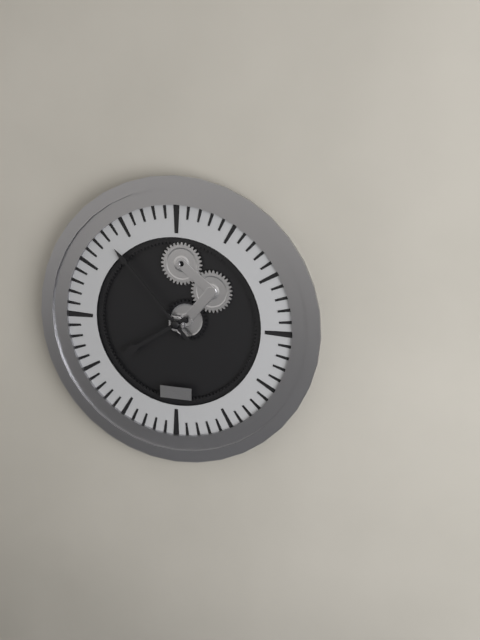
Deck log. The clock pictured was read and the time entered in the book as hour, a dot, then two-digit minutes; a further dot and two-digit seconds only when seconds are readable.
7.53
